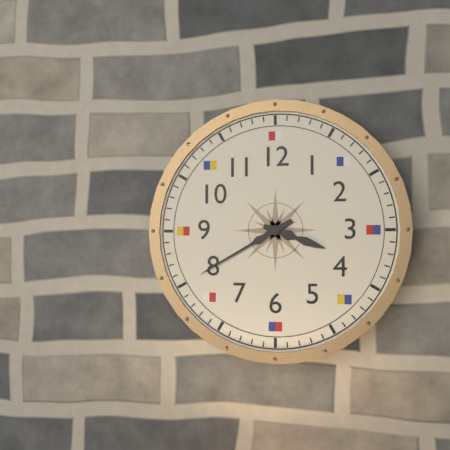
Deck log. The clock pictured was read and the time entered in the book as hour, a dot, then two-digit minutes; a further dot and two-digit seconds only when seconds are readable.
3.40
